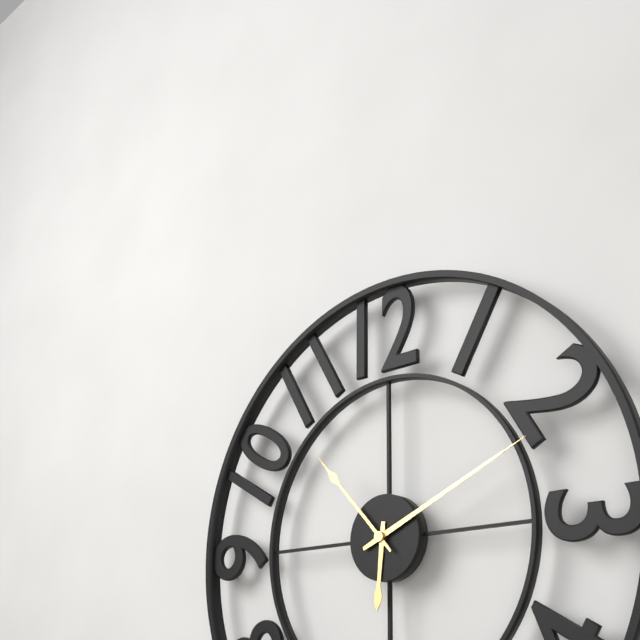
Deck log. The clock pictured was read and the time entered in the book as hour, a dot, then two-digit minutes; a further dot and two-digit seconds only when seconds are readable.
6.11.53
